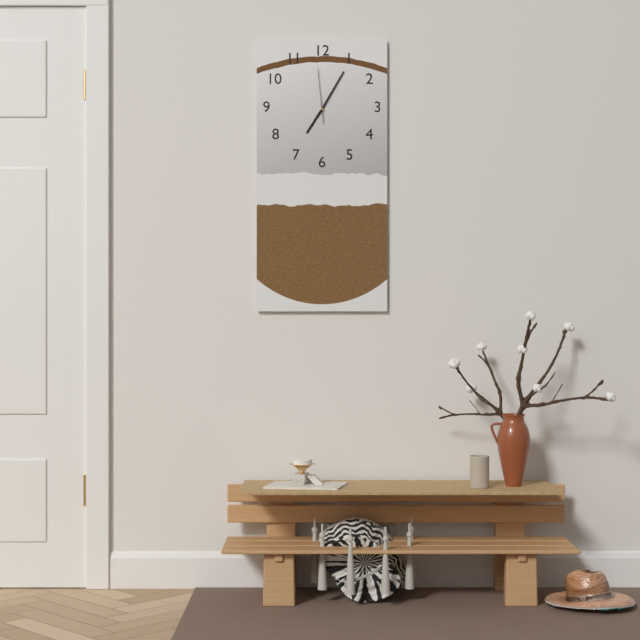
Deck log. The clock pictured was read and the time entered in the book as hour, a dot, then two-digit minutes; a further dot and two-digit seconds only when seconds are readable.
7.05.59
